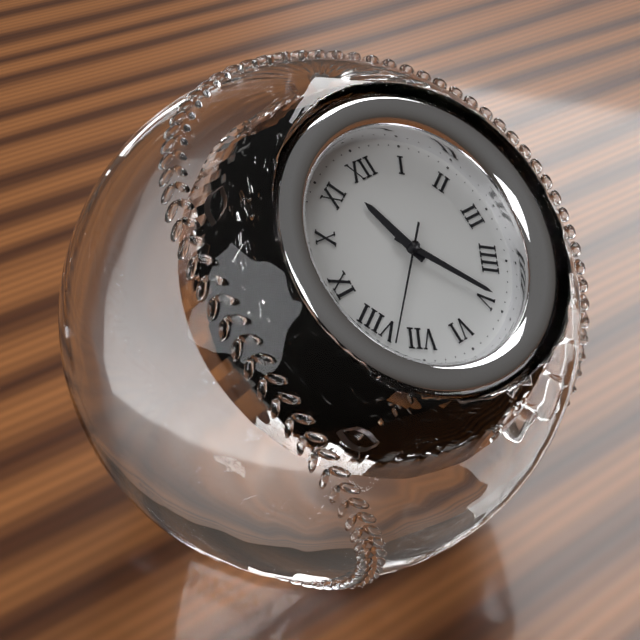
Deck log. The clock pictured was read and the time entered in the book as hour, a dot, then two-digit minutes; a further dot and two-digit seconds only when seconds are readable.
11.24.38
